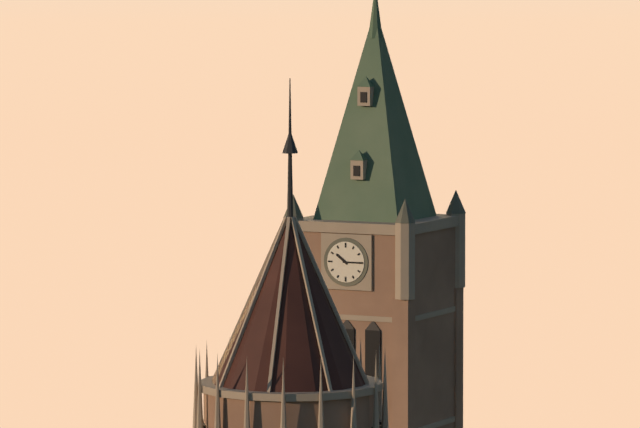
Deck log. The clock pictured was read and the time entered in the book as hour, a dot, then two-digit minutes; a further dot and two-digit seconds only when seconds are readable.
10.15
